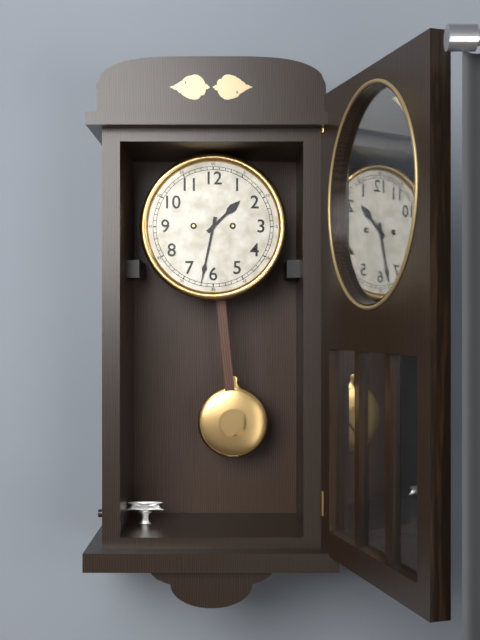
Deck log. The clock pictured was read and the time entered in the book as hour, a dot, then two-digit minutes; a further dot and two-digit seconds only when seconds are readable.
1.32
